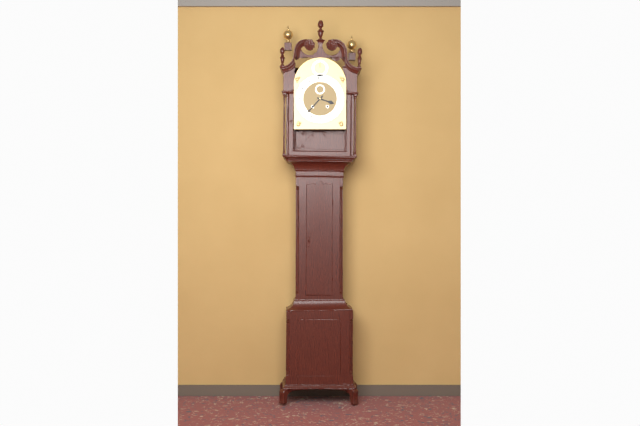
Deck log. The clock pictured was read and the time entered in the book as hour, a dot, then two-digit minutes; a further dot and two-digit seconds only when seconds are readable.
3.37
